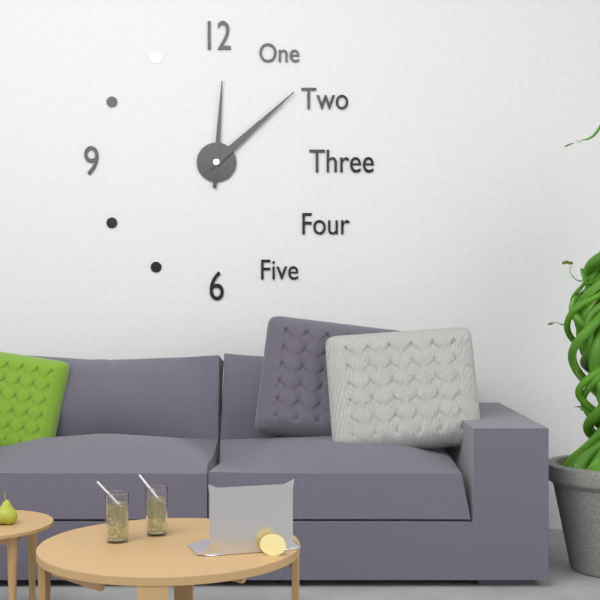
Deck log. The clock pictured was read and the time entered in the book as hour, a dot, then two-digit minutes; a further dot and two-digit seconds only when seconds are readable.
12.08
